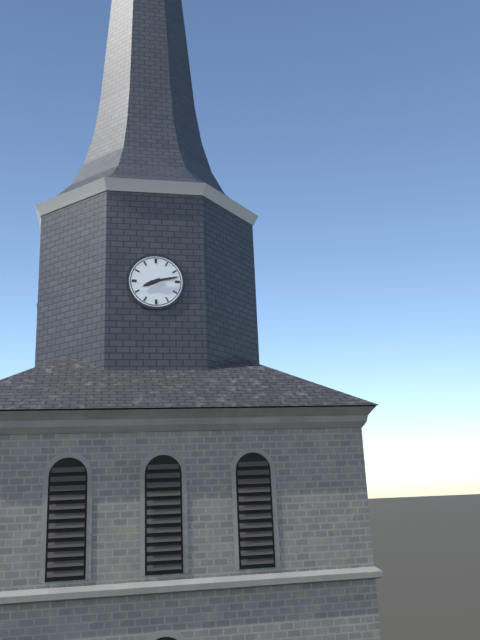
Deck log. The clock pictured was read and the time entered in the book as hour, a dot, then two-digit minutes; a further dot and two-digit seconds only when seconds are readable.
8.13
